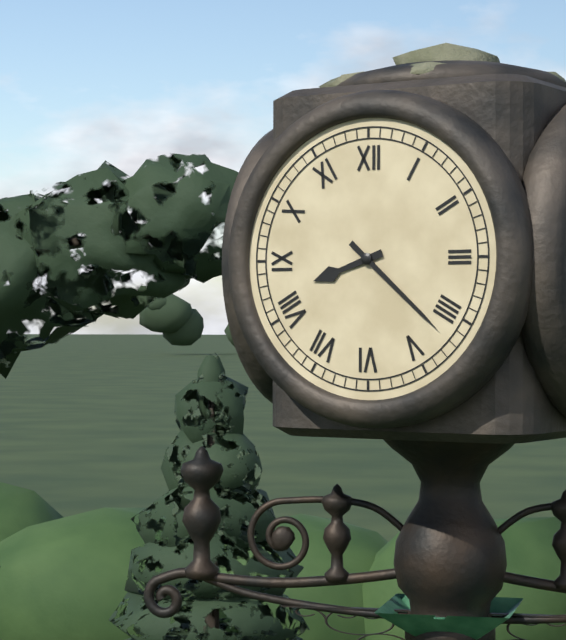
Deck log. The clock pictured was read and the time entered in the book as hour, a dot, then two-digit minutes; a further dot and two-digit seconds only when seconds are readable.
8.22
